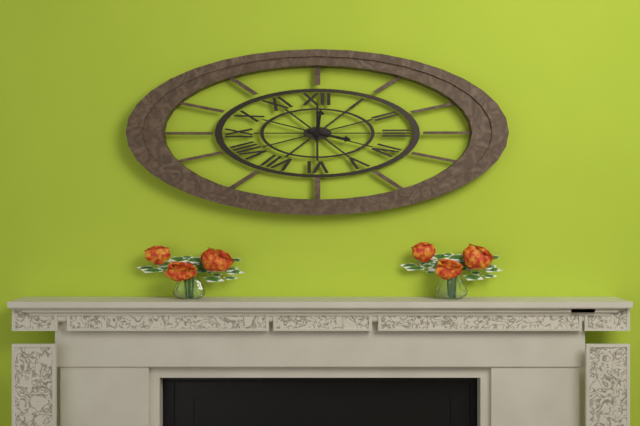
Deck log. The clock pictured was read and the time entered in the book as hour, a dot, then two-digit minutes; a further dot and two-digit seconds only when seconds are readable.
12.17
